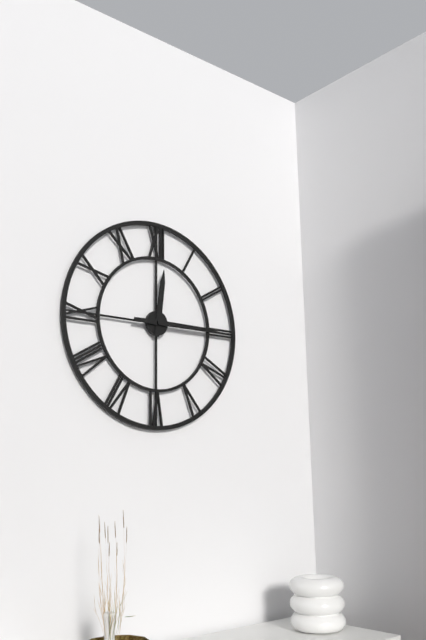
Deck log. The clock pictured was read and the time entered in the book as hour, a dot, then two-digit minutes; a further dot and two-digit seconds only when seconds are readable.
12.15
